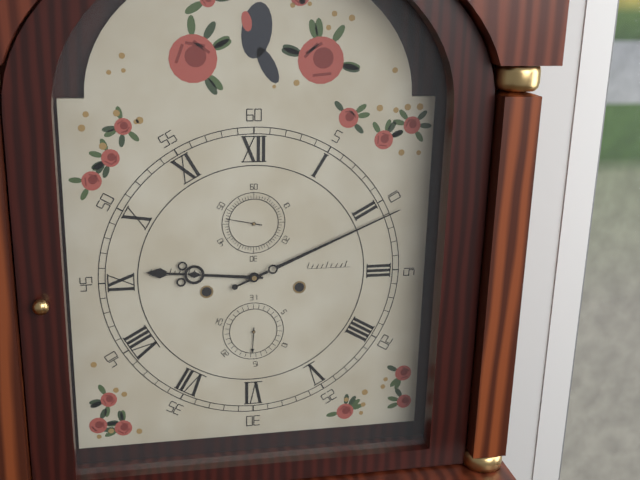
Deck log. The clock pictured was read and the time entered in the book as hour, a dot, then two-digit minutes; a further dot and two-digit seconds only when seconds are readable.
9.11
